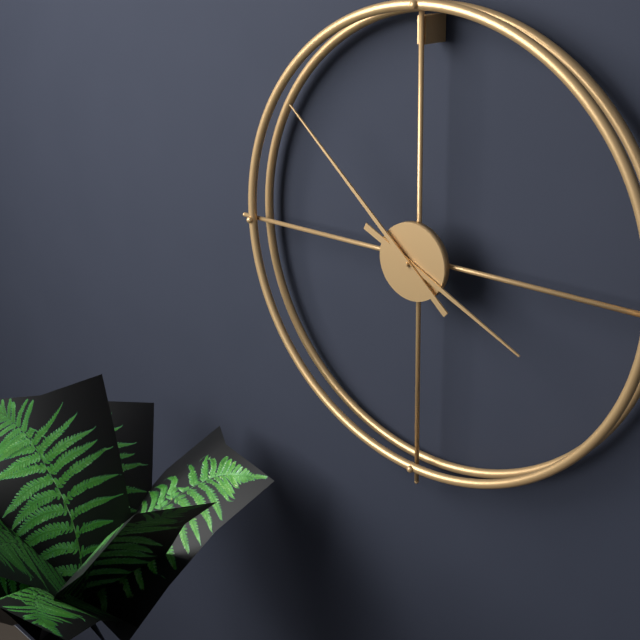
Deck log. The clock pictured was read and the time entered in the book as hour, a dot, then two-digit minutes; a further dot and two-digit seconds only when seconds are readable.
3.52
